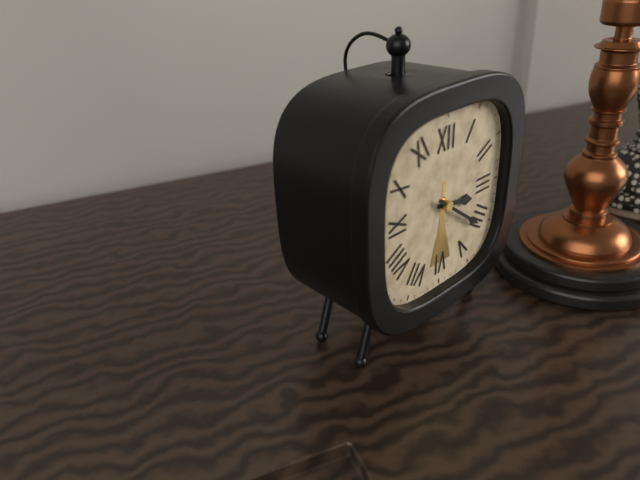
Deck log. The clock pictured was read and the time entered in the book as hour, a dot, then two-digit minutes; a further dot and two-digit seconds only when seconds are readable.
3.21
